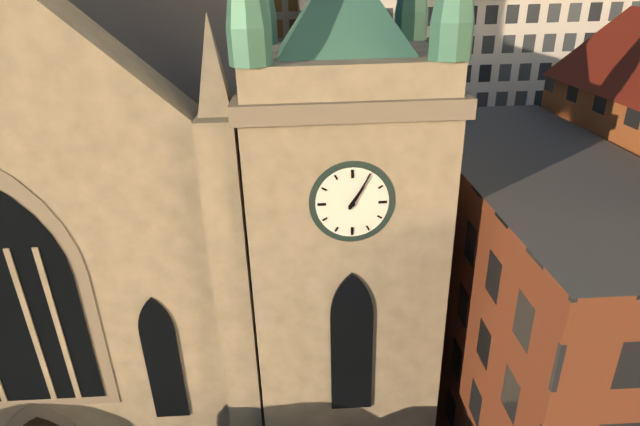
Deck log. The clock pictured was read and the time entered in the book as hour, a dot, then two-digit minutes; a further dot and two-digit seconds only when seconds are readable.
1.05
